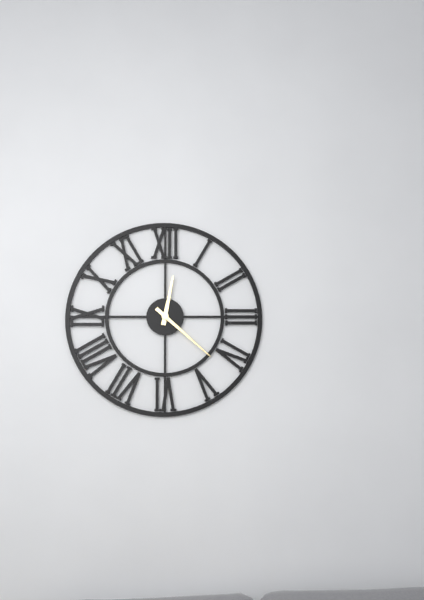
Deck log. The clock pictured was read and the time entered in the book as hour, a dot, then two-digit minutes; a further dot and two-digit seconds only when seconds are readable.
12.22
